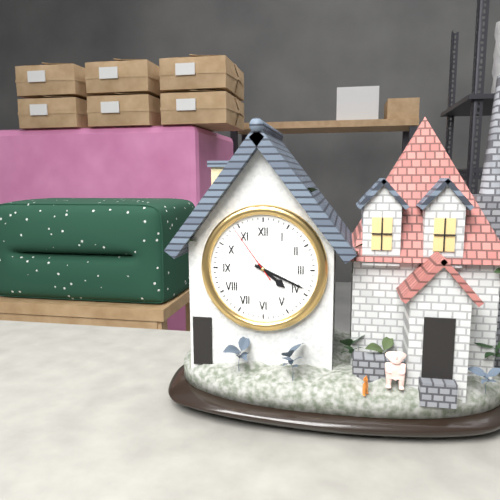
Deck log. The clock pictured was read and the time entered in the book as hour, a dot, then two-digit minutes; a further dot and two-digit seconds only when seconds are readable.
4.19.54
